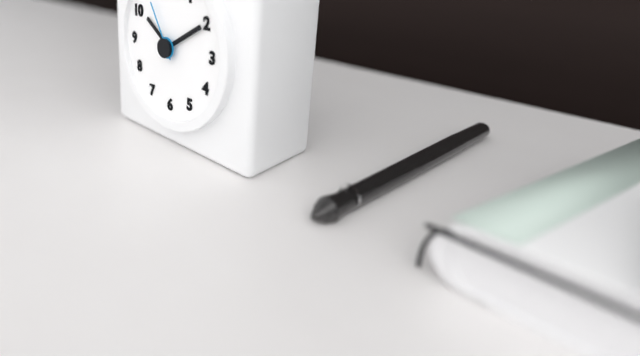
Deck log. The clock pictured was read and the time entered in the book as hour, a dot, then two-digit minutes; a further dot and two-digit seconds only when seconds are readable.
10.10.55
